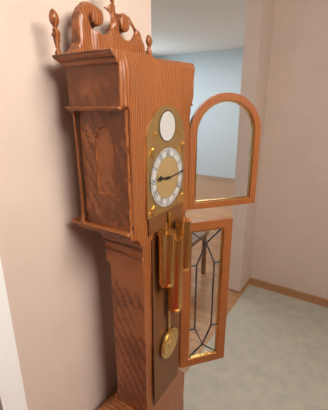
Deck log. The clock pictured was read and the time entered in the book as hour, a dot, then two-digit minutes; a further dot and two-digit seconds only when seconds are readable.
9.14
